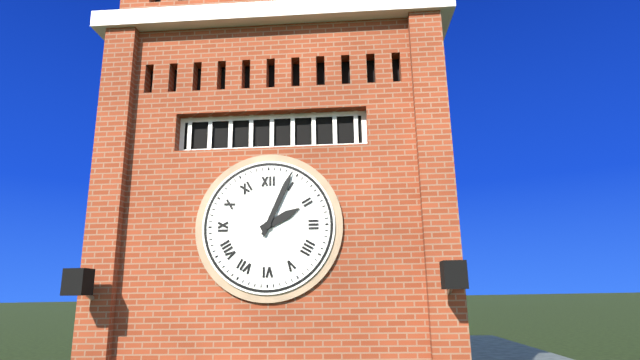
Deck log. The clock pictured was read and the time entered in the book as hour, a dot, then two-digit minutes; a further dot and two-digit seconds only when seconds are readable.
2.04
